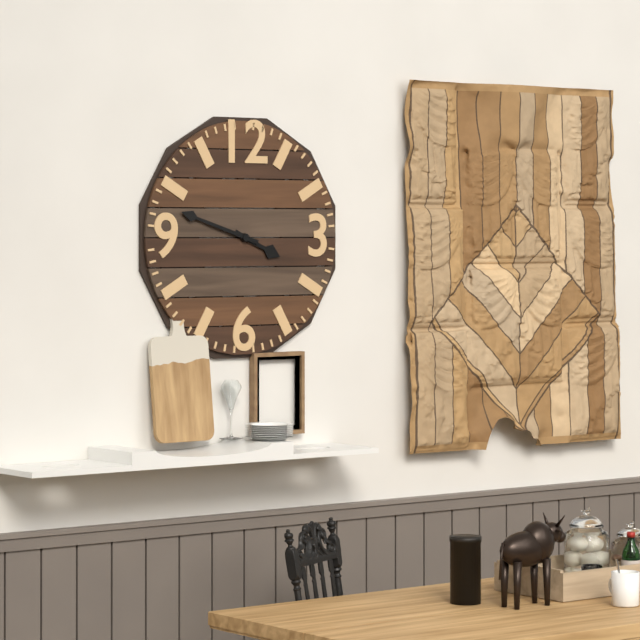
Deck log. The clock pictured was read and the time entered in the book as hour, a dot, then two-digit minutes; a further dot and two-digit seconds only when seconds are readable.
3.48
